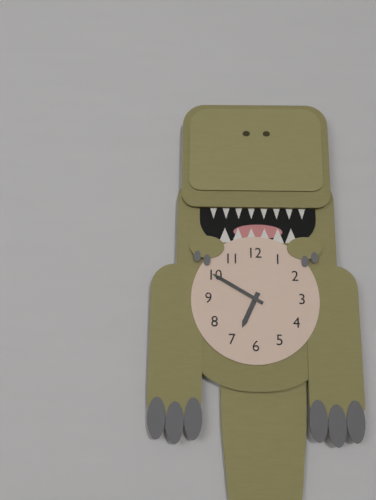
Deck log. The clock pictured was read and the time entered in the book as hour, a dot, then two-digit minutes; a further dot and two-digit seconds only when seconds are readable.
6.50
